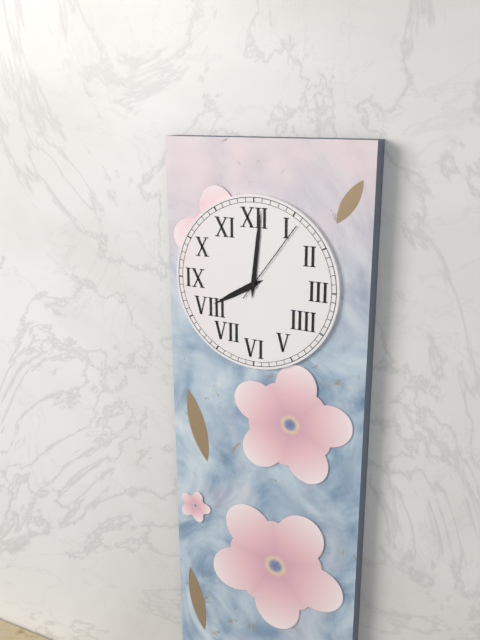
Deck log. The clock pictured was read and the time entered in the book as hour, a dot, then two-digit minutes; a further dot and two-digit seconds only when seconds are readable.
8.01.06
